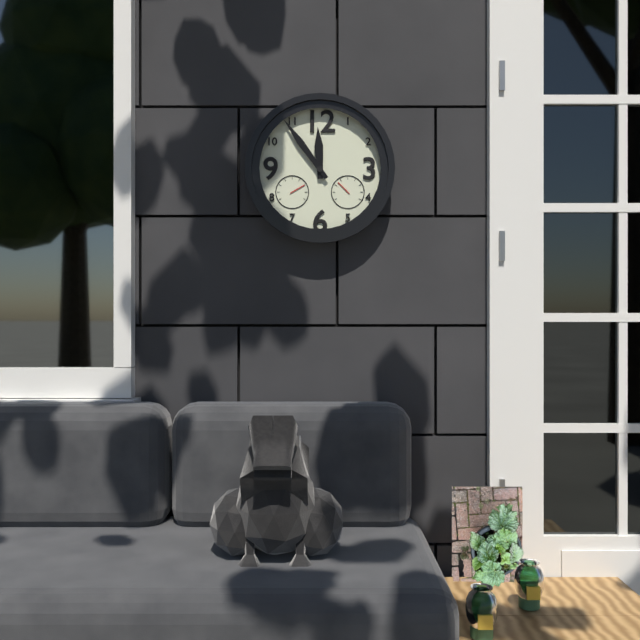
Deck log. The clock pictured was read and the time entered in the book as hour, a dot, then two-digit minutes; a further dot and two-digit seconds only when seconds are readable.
11.54
